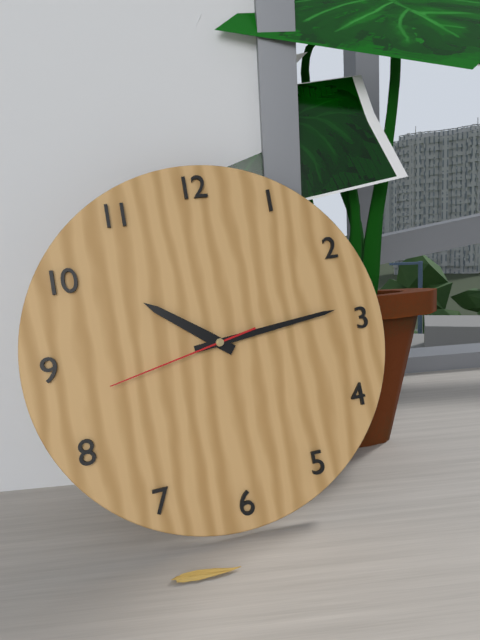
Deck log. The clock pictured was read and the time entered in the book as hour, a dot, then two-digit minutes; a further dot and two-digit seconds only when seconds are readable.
10.14.43
